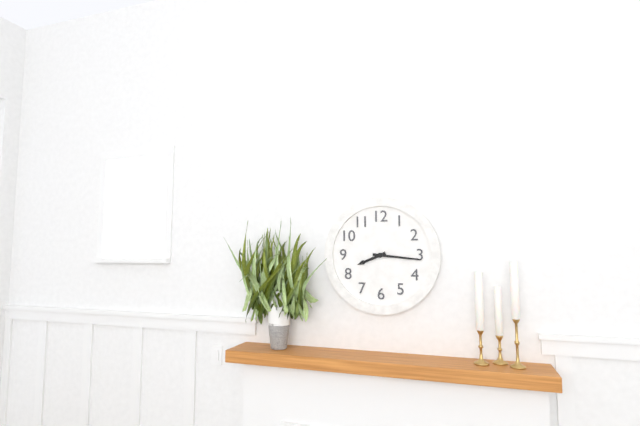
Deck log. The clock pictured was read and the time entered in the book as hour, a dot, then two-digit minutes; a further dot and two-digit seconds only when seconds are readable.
8.16
